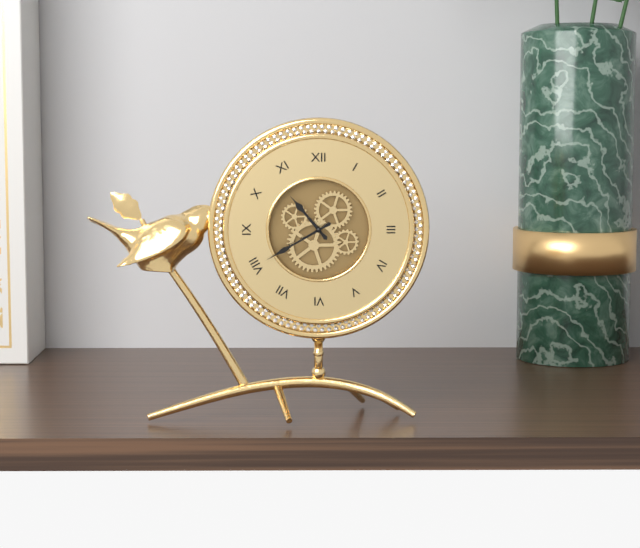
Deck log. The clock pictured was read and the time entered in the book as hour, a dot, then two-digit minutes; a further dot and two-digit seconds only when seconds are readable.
10.40
